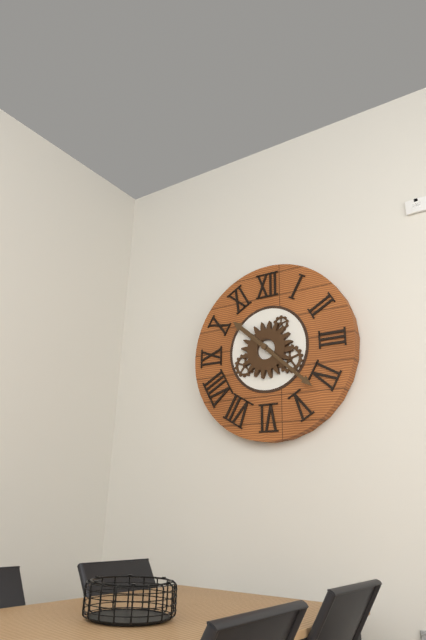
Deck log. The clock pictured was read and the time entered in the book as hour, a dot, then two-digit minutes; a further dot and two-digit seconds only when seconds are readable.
10.22
